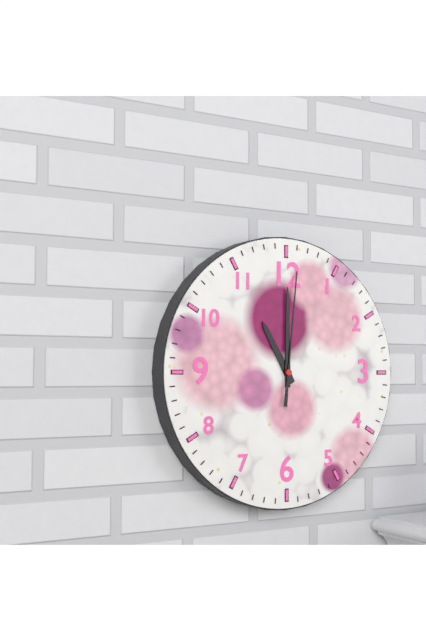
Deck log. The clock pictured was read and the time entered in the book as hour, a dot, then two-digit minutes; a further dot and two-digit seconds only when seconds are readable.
11.00.01
